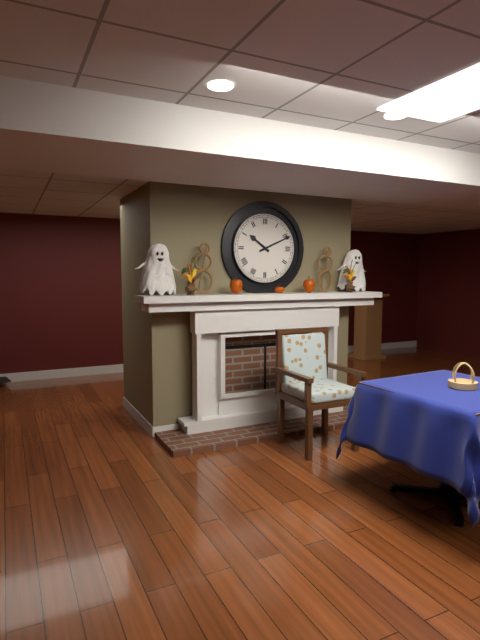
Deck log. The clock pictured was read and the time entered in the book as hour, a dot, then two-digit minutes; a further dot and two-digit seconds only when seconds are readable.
10.11
